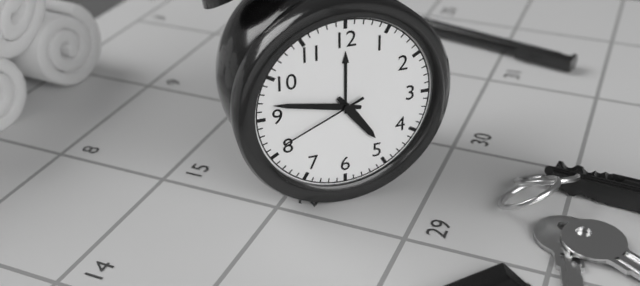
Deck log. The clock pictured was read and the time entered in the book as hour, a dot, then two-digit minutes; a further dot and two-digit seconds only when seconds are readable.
4.47.41
